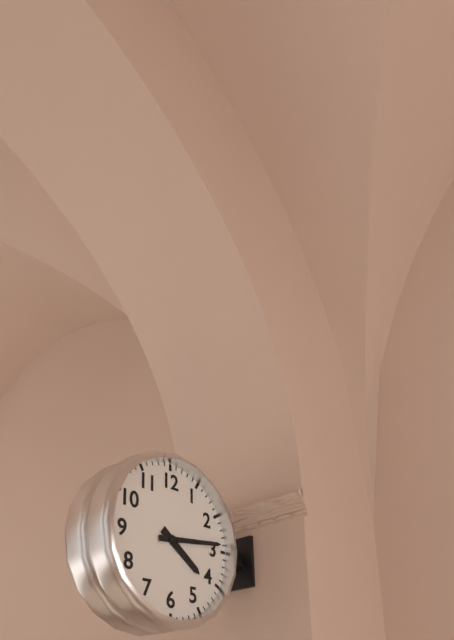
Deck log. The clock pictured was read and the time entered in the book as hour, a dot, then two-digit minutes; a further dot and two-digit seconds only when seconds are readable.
4.14
